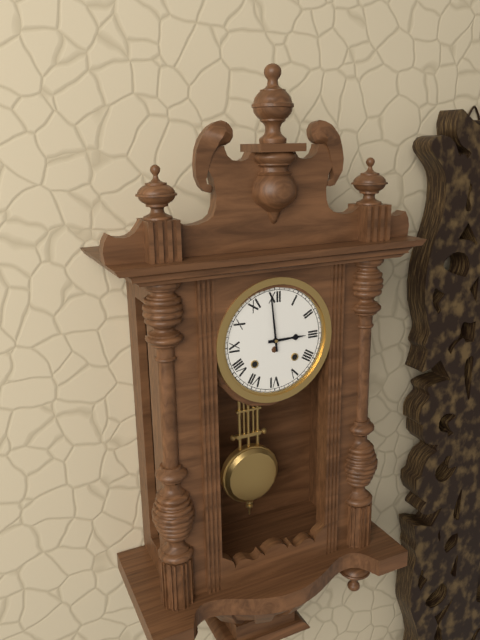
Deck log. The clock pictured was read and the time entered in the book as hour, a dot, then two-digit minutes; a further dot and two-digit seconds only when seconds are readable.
2.59
